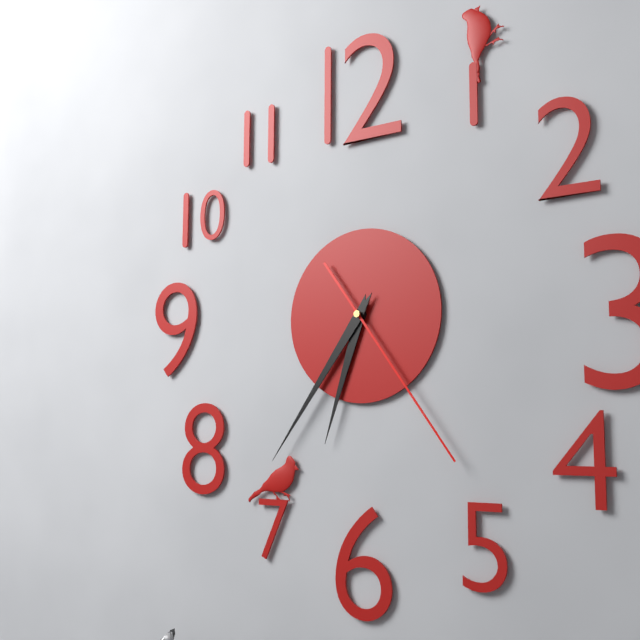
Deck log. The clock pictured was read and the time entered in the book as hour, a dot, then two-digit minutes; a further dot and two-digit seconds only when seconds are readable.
6.36.24
